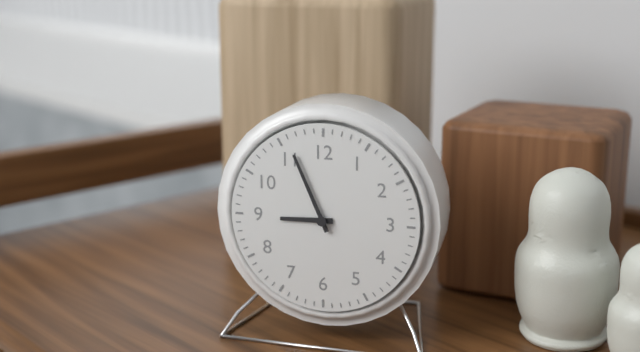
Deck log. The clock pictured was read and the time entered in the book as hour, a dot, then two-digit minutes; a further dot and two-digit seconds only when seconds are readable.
8.56
